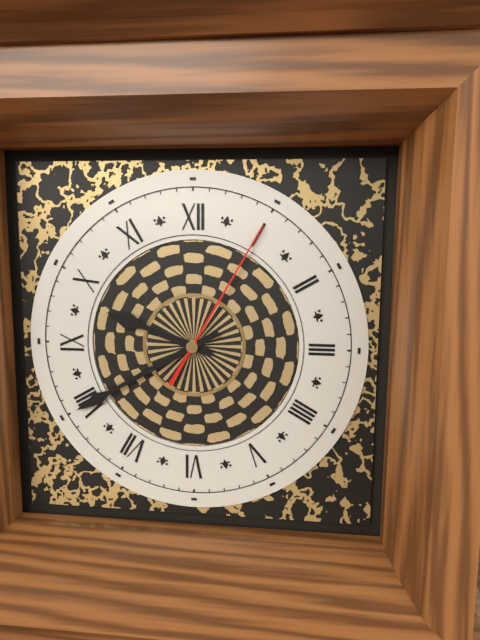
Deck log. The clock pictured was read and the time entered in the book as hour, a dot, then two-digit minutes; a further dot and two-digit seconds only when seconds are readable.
9.40.05
